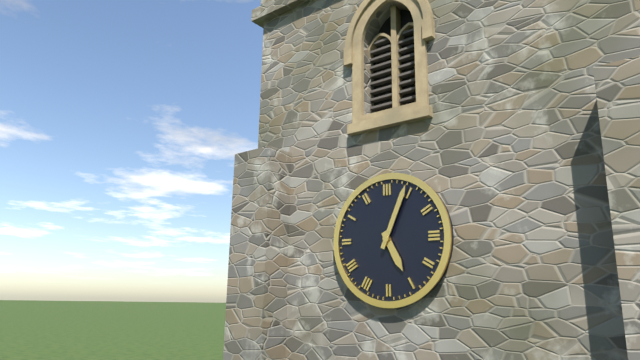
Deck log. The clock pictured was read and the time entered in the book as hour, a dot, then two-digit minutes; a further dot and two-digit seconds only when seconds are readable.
5.04
